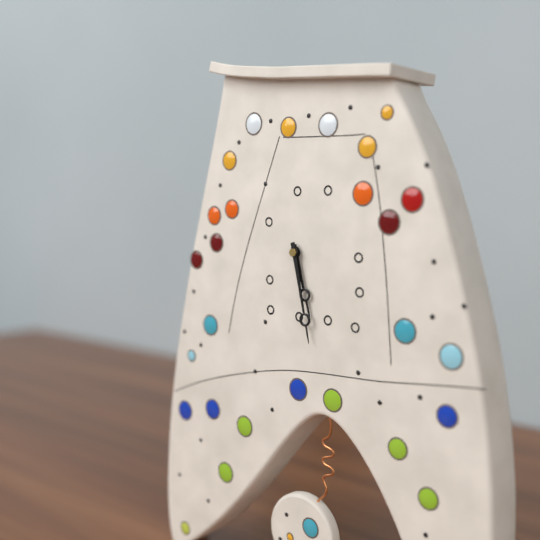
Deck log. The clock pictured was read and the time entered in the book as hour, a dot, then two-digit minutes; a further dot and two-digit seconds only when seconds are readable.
5.28
